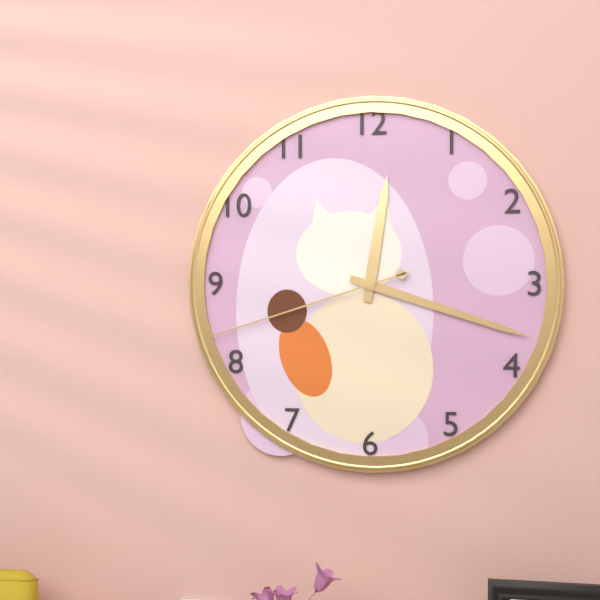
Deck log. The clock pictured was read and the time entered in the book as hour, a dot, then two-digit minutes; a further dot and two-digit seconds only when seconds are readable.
12.18.42
